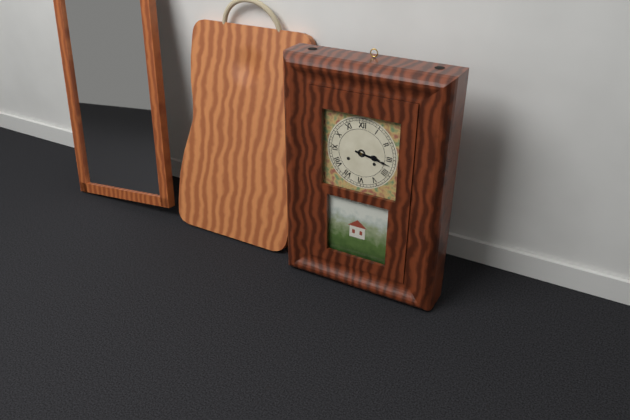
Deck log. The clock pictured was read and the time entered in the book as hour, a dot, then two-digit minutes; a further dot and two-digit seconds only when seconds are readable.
3.17
